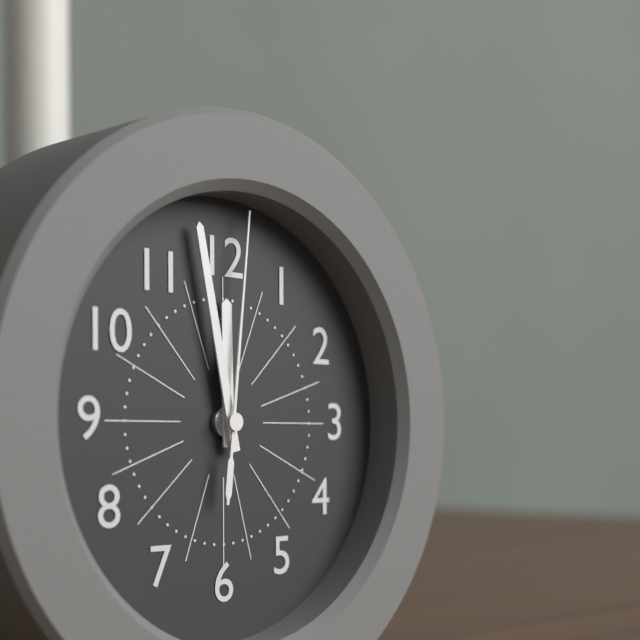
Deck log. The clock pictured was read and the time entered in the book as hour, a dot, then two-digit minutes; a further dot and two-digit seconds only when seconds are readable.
11.58.01
